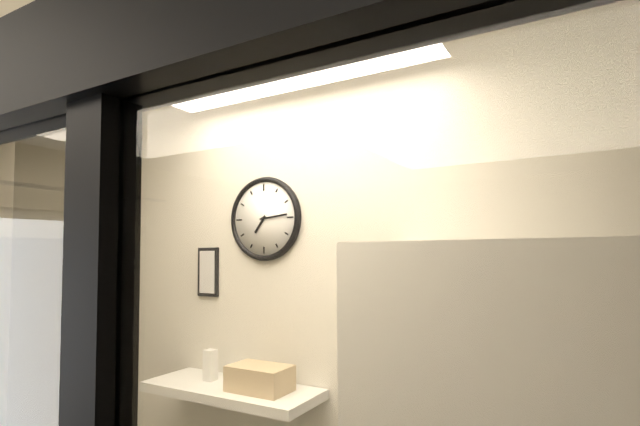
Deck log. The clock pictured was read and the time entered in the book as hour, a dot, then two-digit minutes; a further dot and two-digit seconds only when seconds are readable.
7.14
